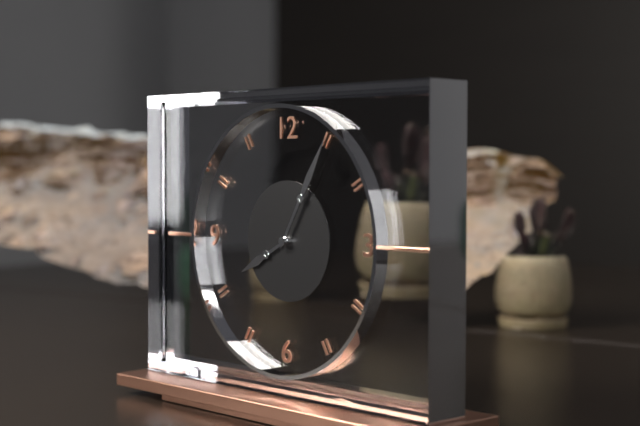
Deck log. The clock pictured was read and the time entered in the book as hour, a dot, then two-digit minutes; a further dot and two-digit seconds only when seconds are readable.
8.05
